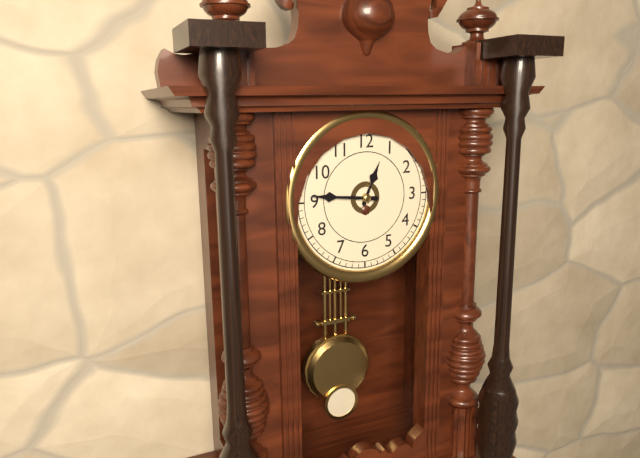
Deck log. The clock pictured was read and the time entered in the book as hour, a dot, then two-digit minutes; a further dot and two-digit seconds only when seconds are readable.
12.46
